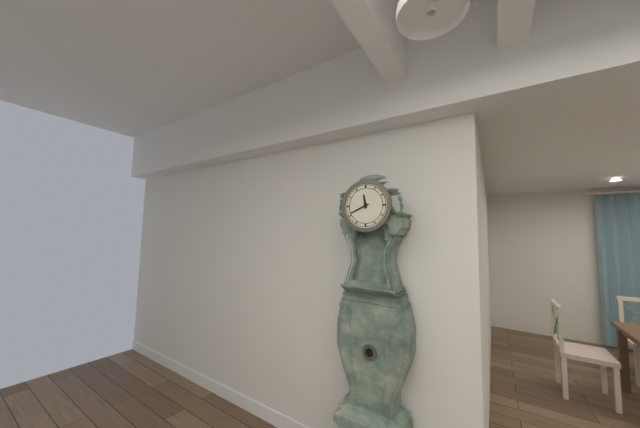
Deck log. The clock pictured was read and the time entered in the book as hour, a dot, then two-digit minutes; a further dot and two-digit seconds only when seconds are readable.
11.41
